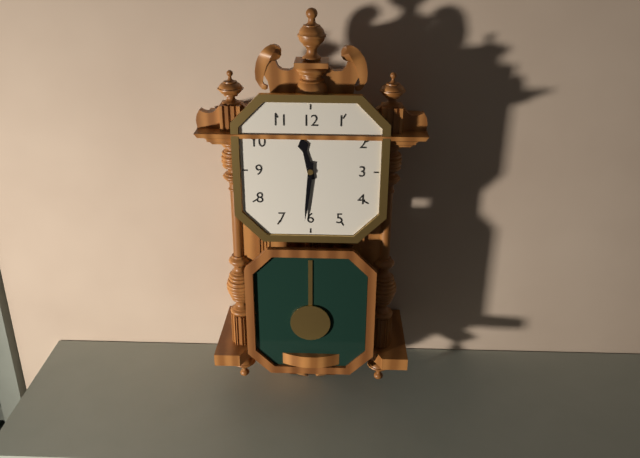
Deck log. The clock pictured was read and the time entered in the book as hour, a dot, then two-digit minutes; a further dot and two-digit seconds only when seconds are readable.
11.31
